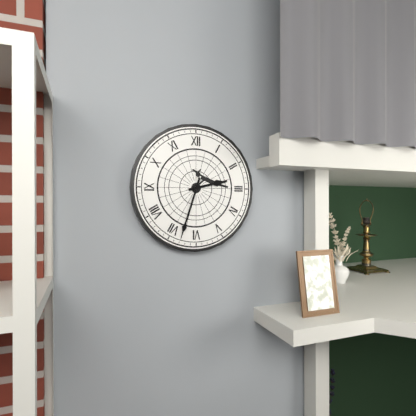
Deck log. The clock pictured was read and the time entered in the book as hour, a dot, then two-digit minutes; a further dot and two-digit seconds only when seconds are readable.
2.33
